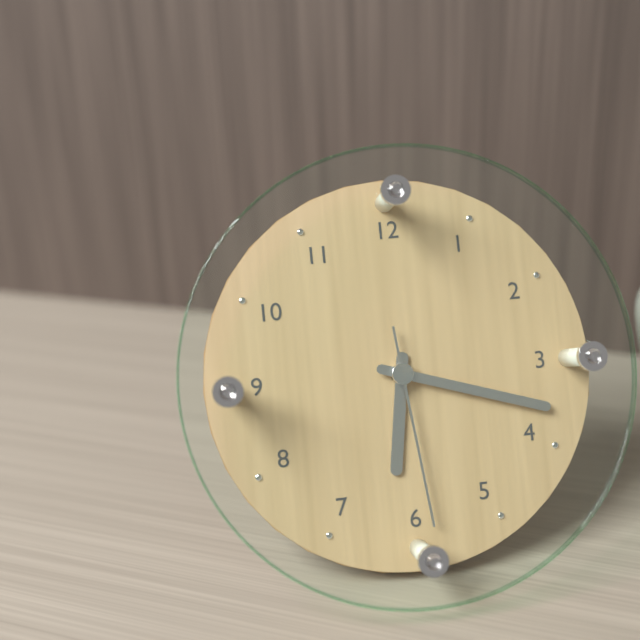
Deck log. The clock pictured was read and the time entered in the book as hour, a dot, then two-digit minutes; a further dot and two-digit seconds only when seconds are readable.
6.18.29
